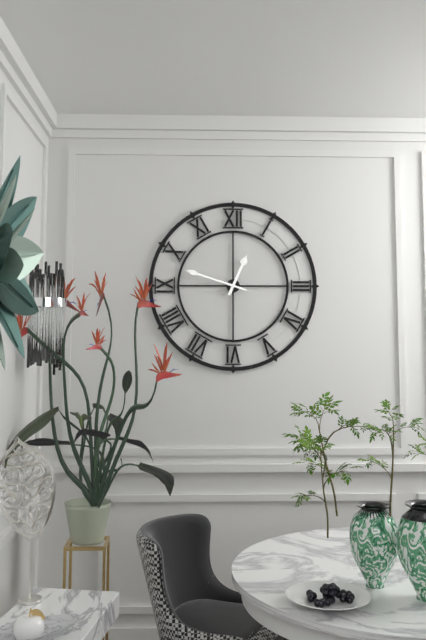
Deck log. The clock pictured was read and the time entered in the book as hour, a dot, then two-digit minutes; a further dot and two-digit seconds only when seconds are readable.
12.48
